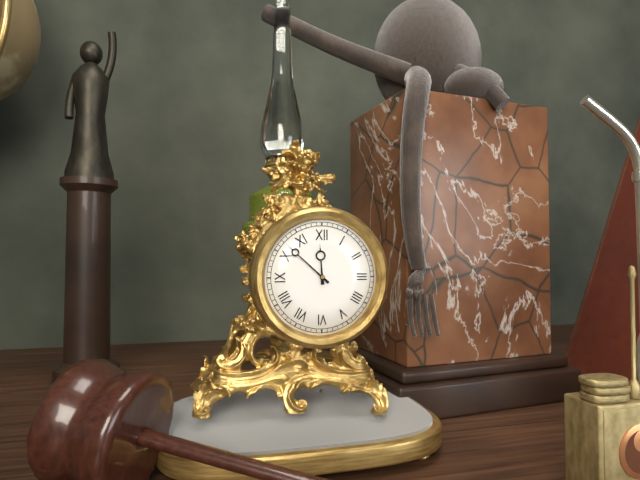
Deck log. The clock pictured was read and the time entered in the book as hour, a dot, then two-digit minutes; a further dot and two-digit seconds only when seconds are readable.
11.52
